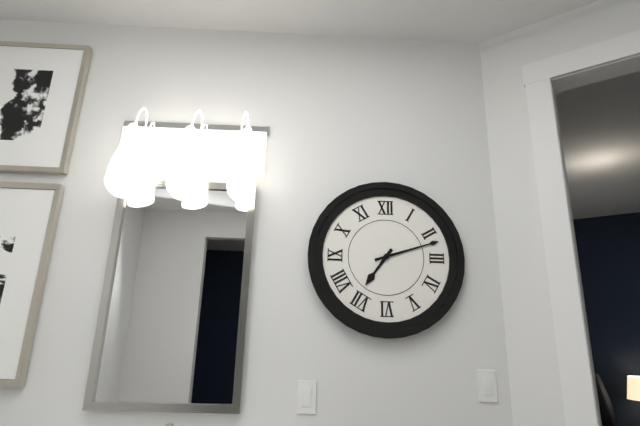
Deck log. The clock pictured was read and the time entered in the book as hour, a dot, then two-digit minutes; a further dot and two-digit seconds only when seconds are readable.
7.12
